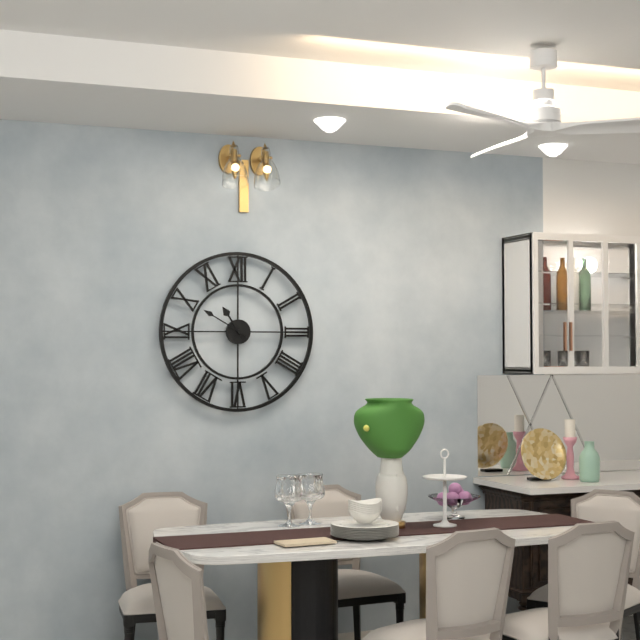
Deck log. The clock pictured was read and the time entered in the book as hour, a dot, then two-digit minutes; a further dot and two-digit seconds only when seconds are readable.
10.50
